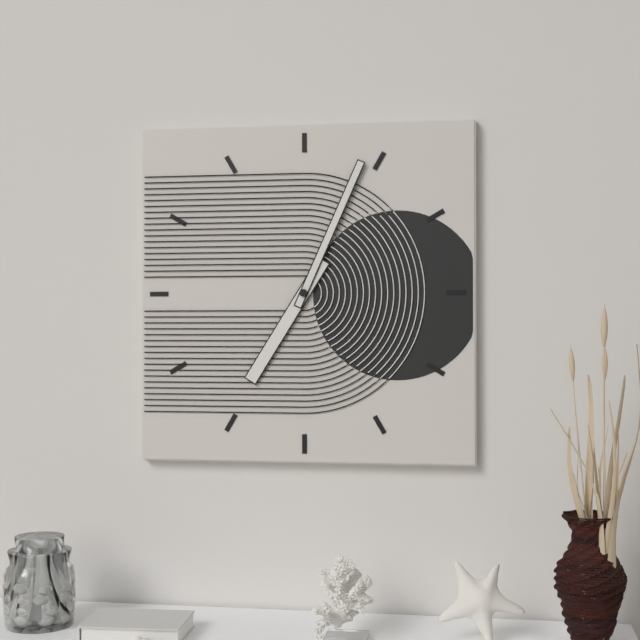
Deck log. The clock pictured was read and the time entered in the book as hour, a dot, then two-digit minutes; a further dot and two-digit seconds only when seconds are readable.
7.04
